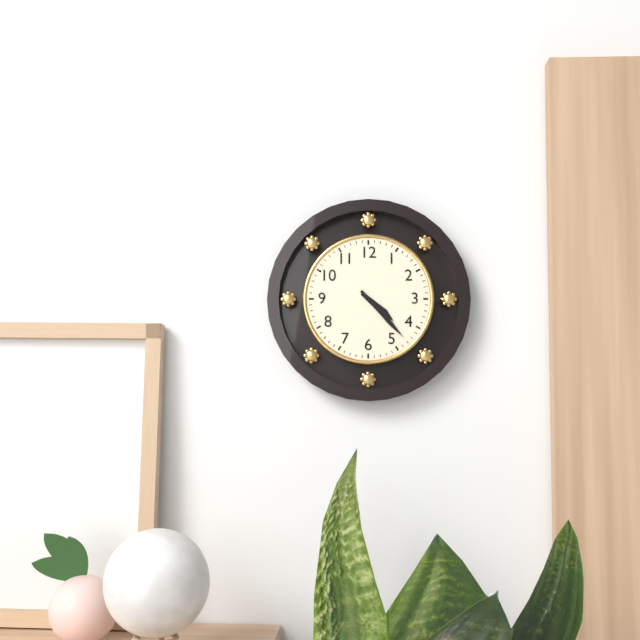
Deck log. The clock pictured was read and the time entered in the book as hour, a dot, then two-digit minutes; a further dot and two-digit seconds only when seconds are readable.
4.23
